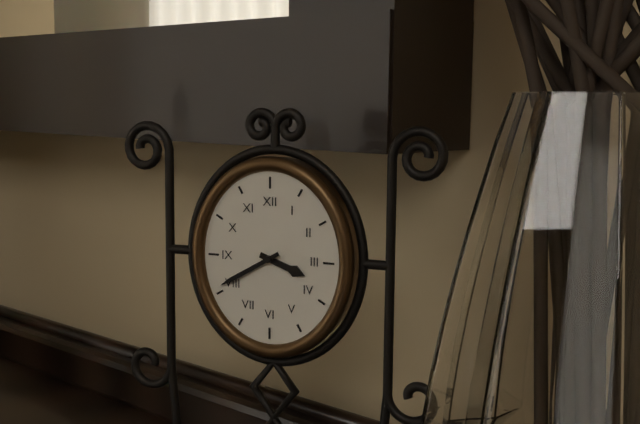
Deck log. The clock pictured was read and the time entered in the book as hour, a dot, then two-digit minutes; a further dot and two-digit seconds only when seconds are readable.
3.40
